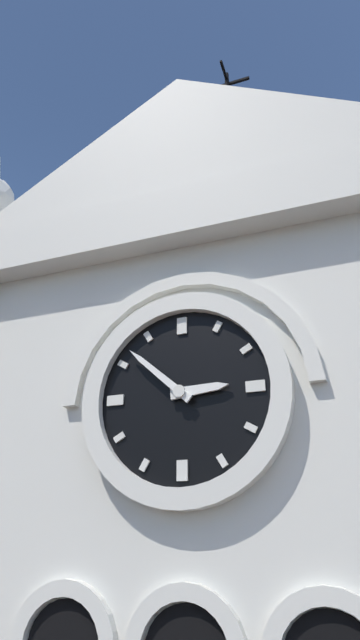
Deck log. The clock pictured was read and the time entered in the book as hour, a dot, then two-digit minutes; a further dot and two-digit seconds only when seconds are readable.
2.52
